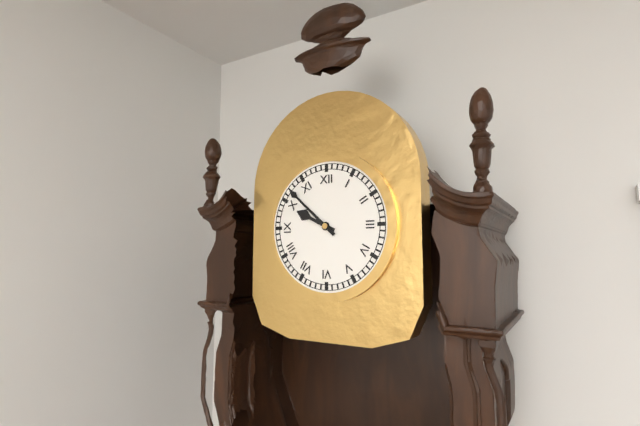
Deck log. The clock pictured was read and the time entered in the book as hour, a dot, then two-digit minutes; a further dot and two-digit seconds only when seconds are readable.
9.52
